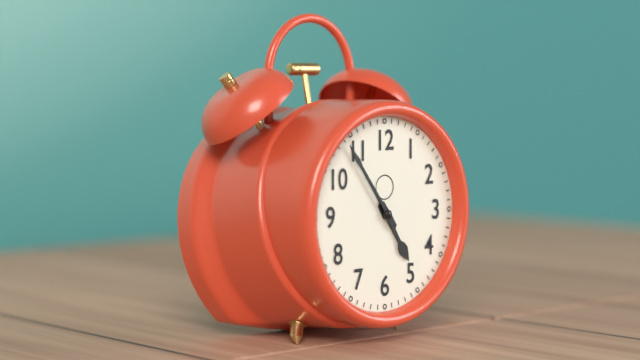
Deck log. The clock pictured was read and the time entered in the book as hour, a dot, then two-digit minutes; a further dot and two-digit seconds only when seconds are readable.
4.54
